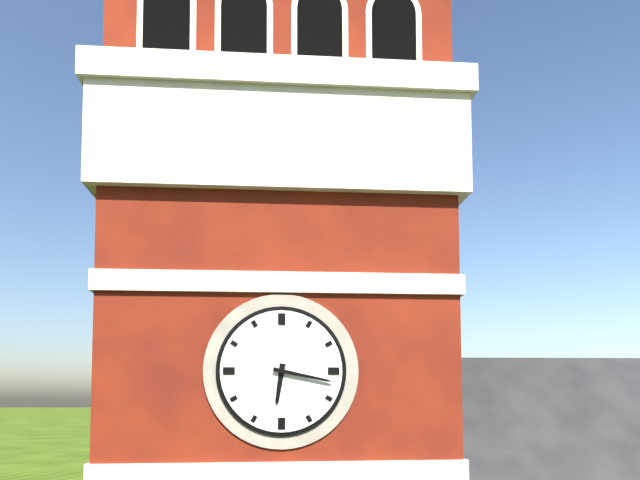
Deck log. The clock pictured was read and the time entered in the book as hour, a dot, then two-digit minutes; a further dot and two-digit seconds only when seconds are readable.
6.17
